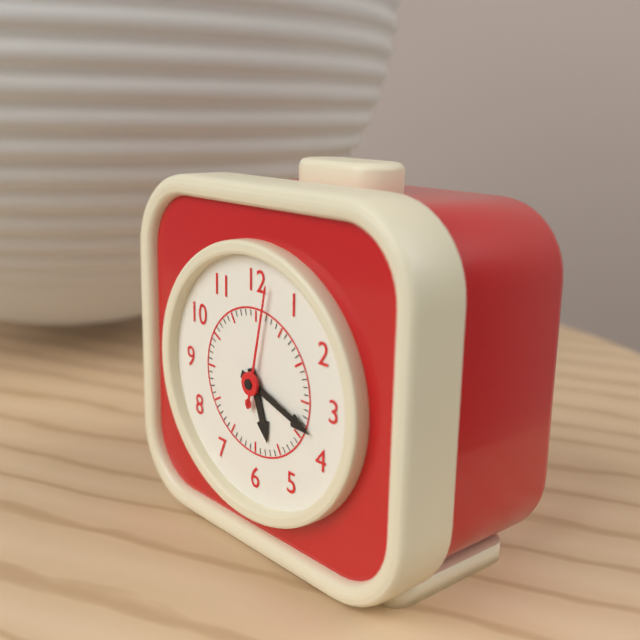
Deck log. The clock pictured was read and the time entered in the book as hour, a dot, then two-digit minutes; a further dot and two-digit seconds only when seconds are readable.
5.18.02
